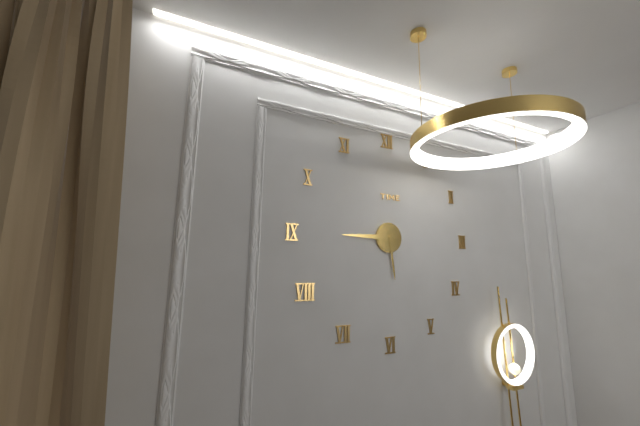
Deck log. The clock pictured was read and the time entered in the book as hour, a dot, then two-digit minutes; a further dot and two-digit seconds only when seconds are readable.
5.45
